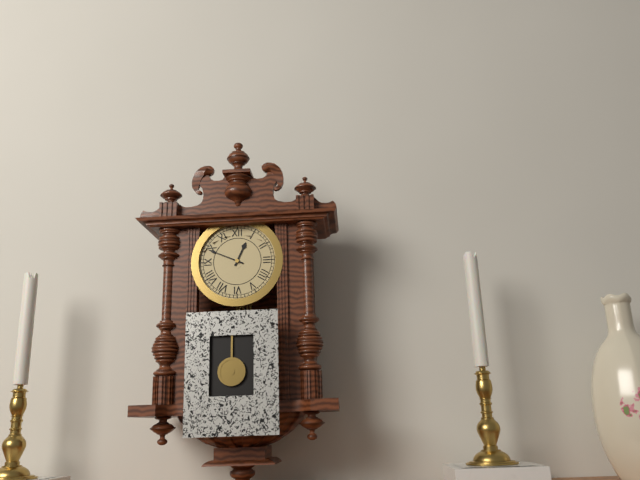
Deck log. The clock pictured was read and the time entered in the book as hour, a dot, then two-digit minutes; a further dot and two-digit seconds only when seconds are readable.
12.49
